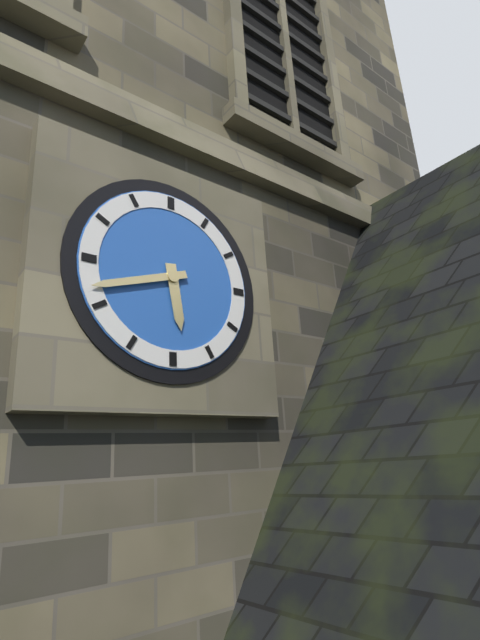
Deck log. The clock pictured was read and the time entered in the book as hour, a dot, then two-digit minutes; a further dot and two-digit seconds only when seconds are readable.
5.42
